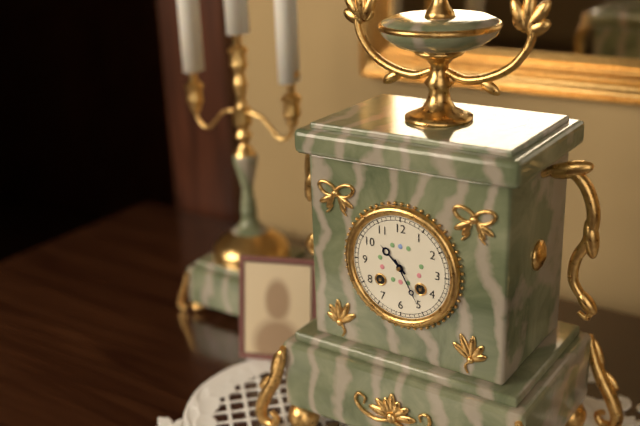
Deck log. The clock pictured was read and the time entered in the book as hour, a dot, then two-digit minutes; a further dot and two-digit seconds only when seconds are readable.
10.25
